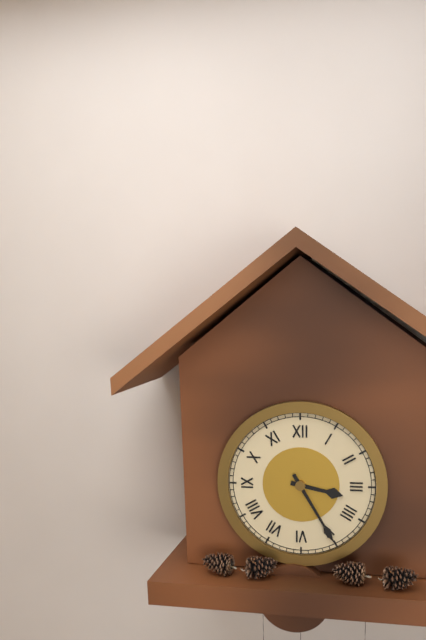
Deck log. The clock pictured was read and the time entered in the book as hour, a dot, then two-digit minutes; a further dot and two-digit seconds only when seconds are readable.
3.25
